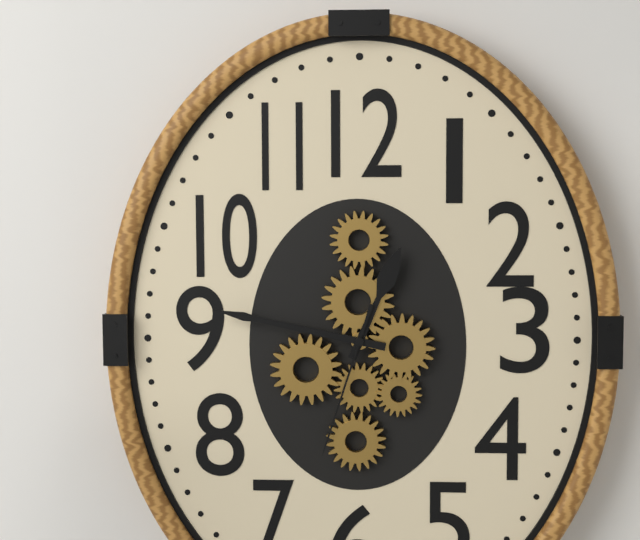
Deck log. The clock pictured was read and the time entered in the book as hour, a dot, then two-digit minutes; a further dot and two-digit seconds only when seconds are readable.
12.47.33
